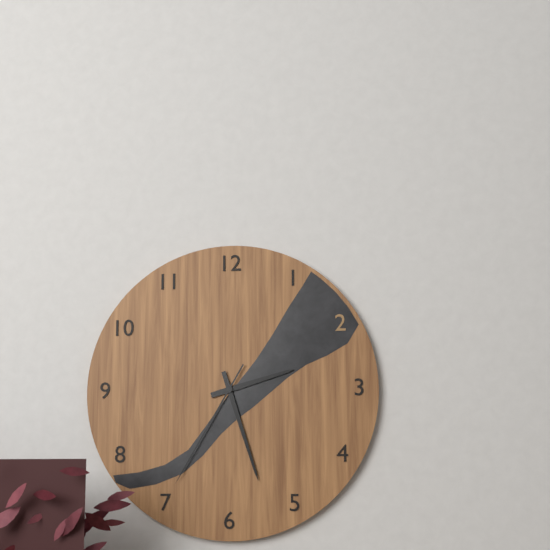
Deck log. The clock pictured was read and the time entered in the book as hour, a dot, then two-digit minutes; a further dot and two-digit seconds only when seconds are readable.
2.27.35
